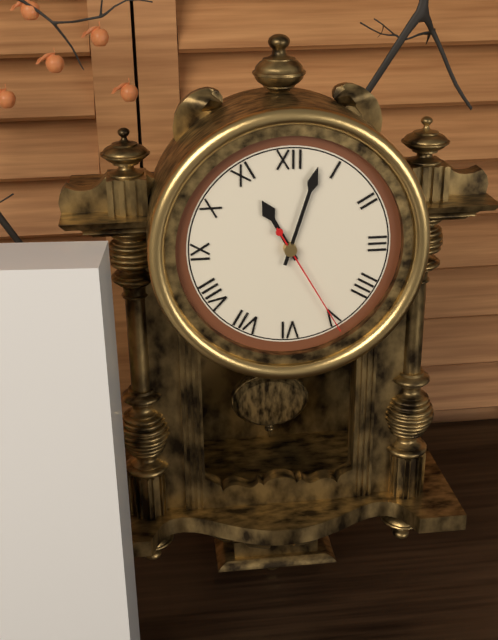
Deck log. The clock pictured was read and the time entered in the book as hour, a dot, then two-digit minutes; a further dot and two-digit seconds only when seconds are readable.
11.03.25
